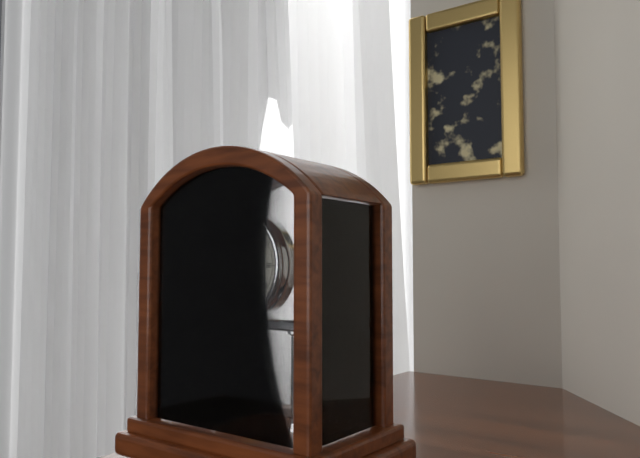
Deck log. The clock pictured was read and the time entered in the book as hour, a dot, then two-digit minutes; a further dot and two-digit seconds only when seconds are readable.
9.05
